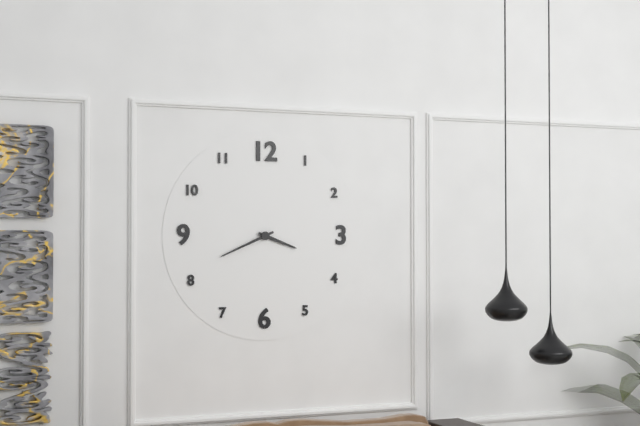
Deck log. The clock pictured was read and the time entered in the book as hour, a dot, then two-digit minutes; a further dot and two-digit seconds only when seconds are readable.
3.41
